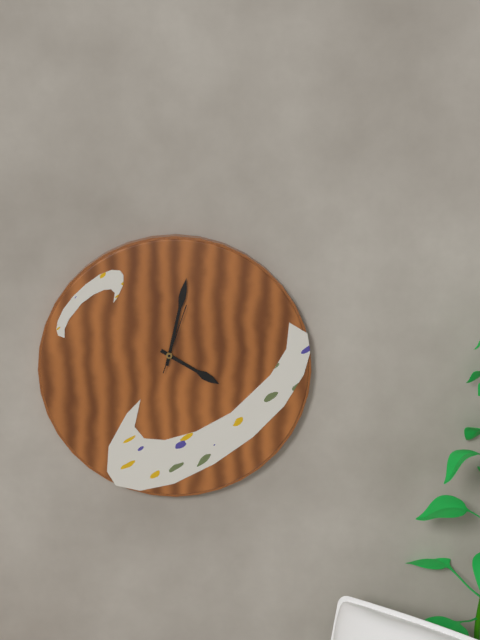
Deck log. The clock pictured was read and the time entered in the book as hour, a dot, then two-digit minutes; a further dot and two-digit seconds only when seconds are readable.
4.02.03
